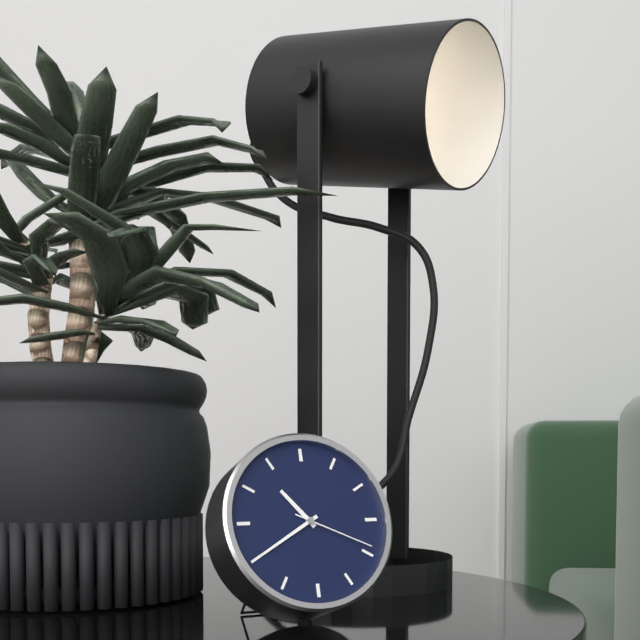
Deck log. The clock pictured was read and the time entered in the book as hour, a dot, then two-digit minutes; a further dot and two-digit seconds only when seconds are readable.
10.40.19
